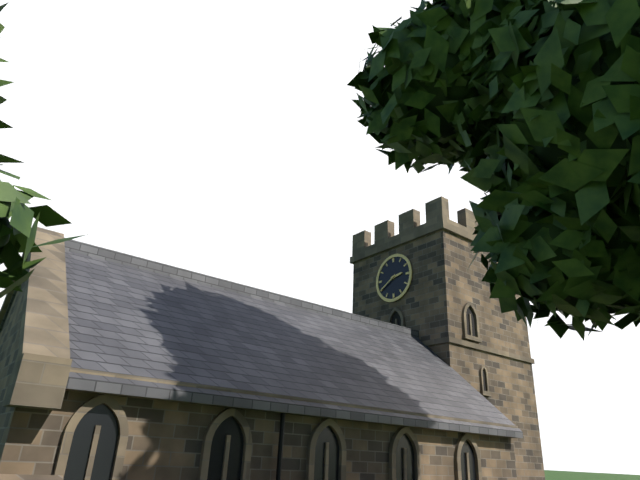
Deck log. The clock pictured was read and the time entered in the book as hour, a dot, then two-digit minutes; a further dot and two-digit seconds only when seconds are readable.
2.40
